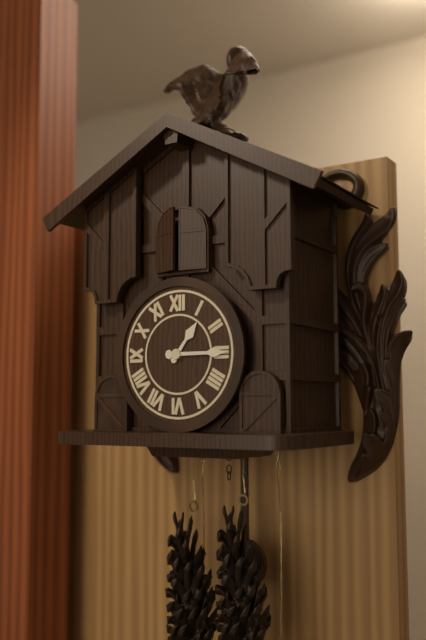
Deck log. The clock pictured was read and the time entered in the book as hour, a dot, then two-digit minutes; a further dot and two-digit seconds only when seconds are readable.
1.15
